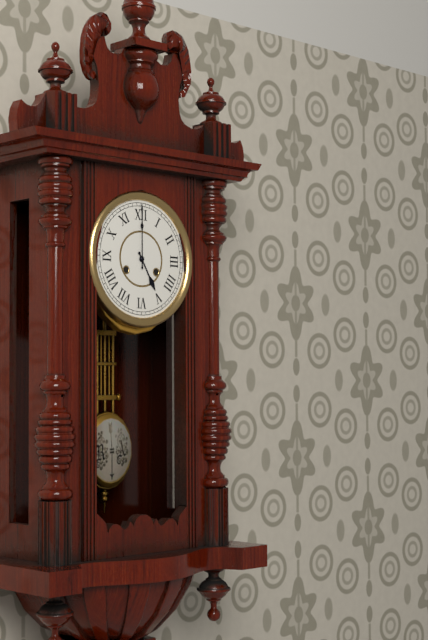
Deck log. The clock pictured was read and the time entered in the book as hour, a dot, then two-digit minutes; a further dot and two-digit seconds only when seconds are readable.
5.00
